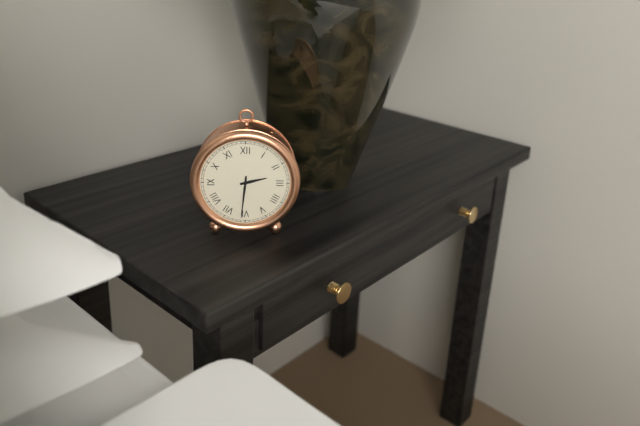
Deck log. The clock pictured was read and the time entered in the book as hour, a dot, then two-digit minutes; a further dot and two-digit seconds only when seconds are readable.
2.31
